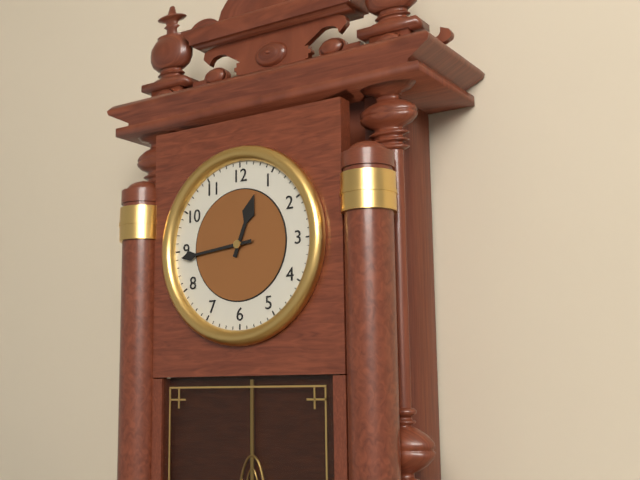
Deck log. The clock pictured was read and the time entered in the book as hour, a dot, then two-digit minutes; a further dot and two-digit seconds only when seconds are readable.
12.44
